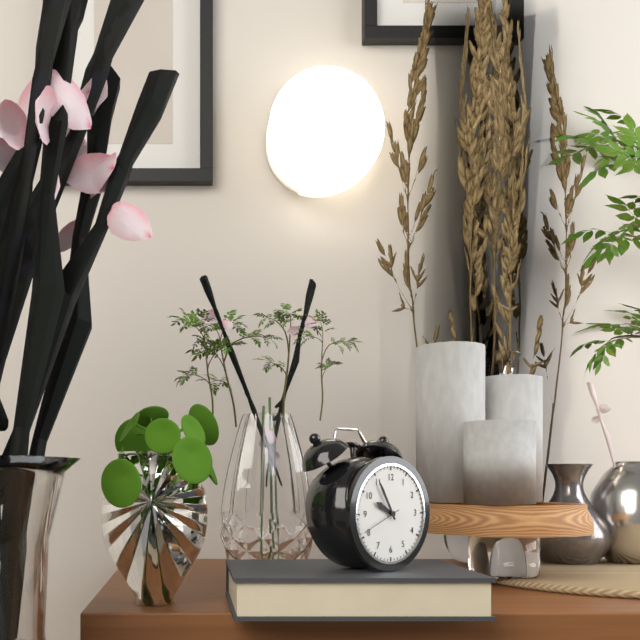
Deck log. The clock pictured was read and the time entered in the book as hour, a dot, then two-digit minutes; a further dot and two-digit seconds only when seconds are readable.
9.55
